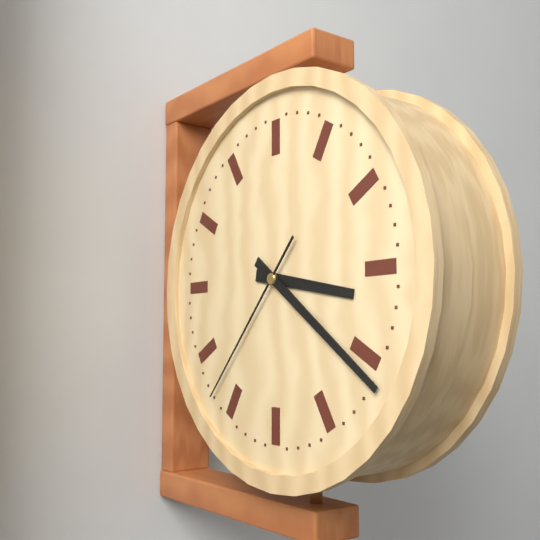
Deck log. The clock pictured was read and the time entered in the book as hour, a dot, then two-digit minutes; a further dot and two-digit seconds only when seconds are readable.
3.21.37
